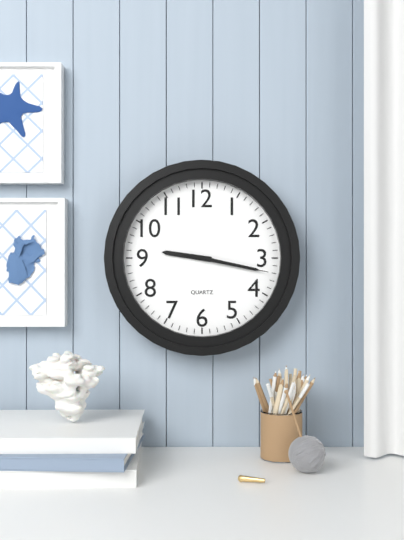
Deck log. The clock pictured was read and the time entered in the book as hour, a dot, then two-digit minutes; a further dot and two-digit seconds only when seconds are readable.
9.17.17
